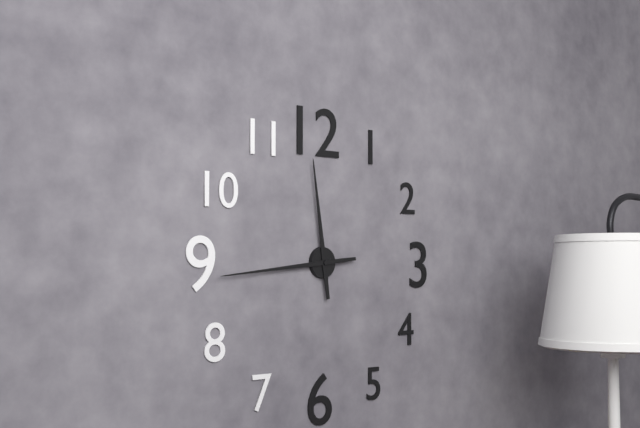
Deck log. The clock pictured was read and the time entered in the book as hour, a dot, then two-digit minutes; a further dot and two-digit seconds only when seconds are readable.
11.44
